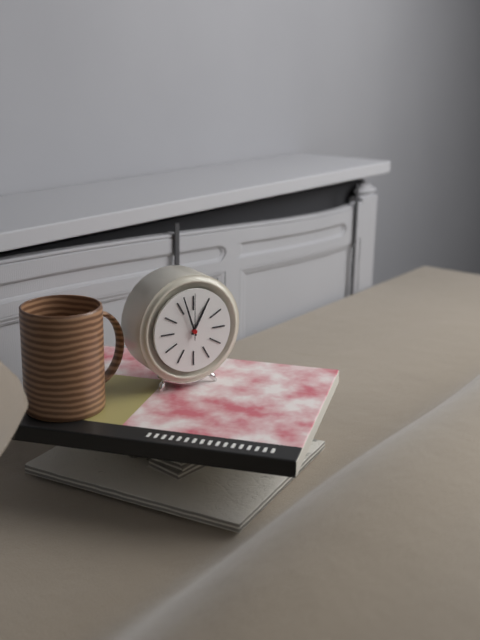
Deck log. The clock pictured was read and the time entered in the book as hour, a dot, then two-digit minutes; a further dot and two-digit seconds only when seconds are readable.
12.57
